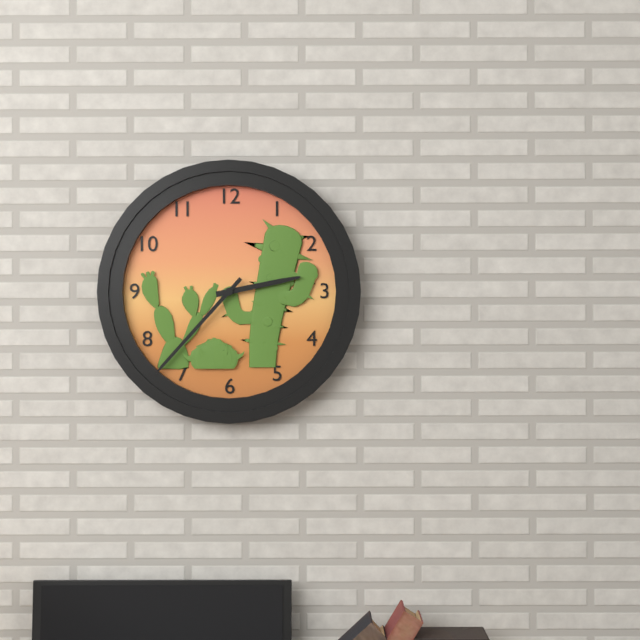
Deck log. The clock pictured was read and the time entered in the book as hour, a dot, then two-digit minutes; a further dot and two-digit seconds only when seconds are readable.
2.37
